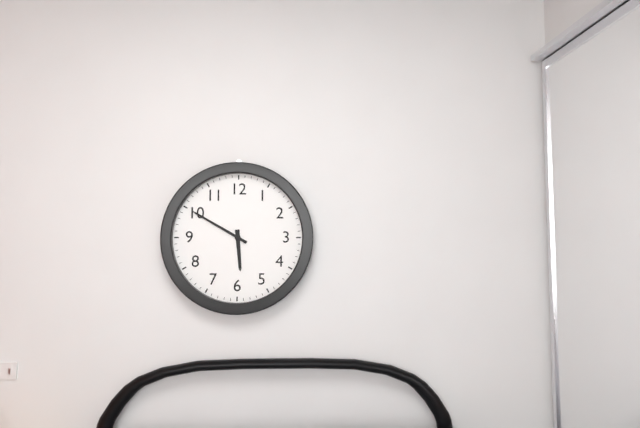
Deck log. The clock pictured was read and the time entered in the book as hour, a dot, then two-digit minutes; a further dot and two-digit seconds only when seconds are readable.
5.50
